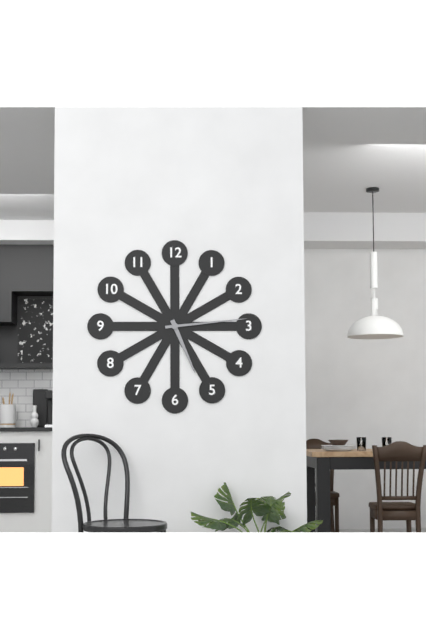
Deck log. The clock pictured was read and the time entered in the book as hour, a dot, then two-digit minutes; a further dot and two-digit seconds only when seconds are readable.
5.14
